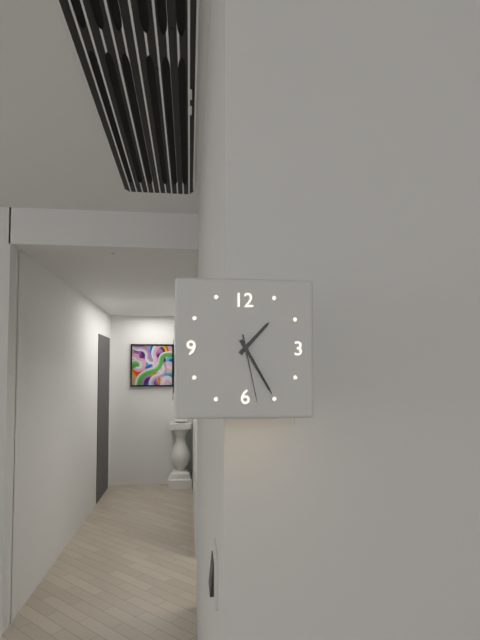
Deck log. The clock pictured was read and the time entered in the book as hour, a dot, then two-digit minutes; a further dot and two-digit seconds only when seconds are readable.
1.25.28
